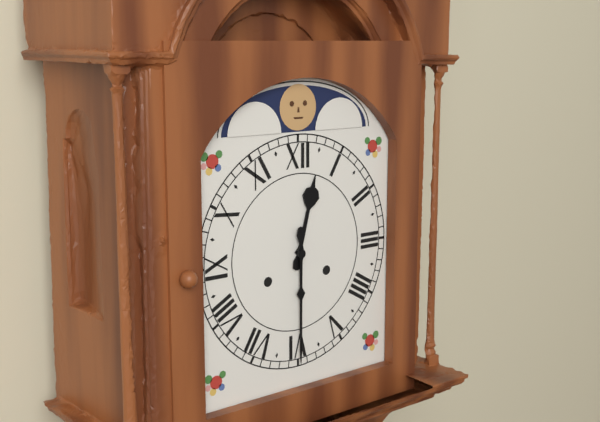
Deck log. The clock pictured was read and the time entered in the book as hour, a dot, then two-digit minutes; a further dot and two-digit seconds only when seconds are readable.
12.30
